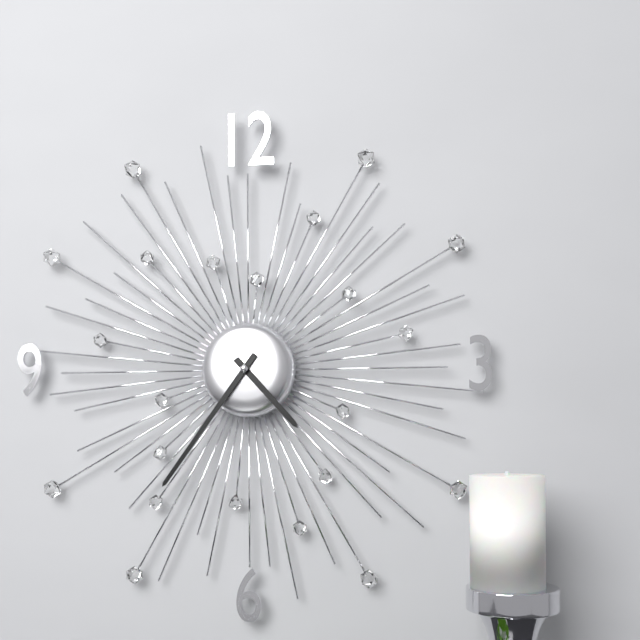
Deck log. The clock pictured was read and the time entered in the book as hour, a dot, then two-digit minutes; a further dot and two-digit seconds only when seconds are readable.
4.36
